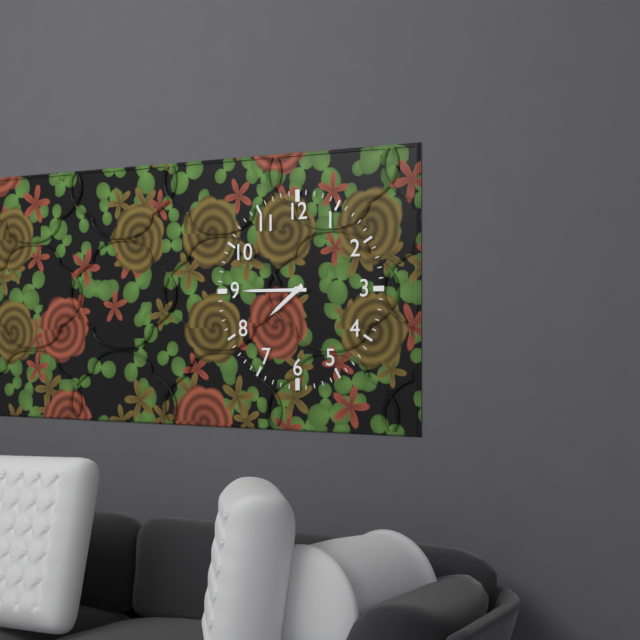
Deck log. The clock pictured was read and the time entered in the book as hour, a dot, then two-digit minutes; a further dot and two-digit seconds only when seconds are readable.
7.45
